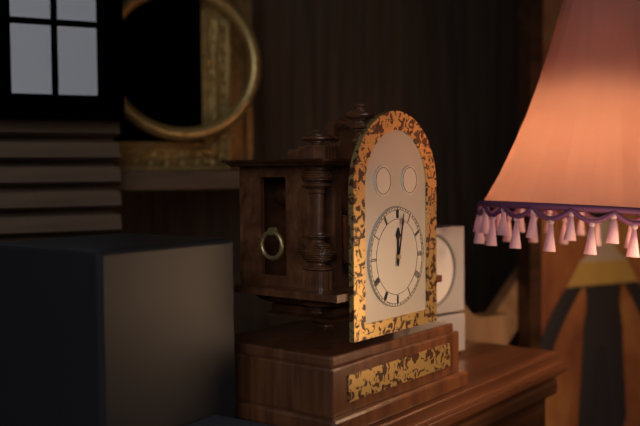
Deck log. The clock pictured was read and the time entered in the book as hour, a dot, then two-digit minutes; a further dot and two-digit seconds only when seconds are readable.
12.02
